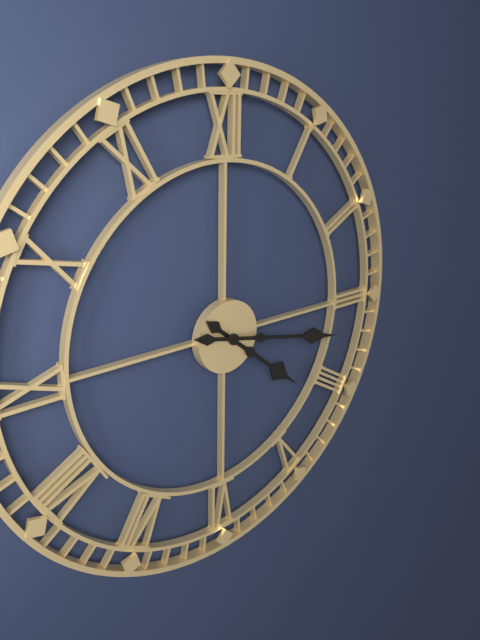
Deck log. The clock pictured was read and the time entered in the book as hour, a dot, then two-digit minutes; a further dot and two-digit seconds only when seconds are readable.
4.17
